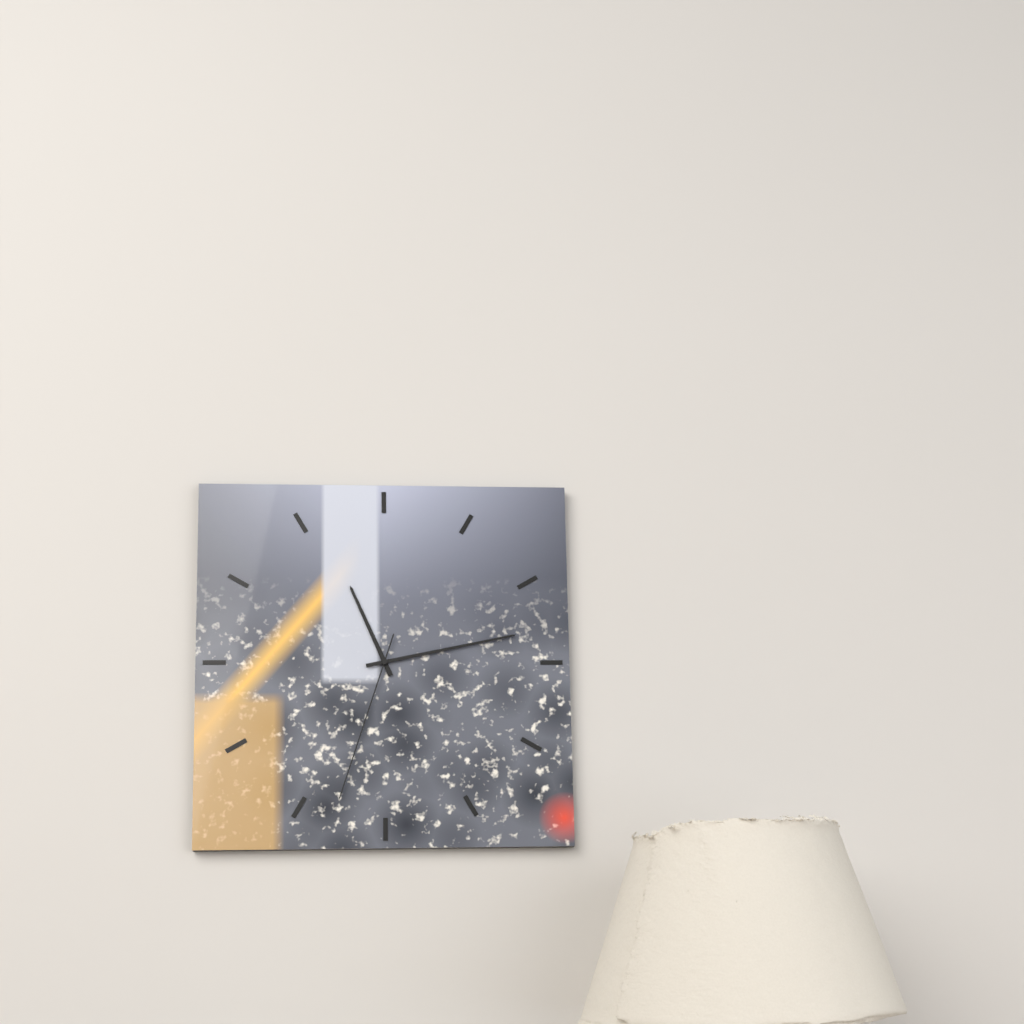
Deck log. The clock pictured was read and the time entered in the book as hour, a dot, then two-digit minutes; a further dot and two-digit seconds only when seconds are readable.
11.13.33
